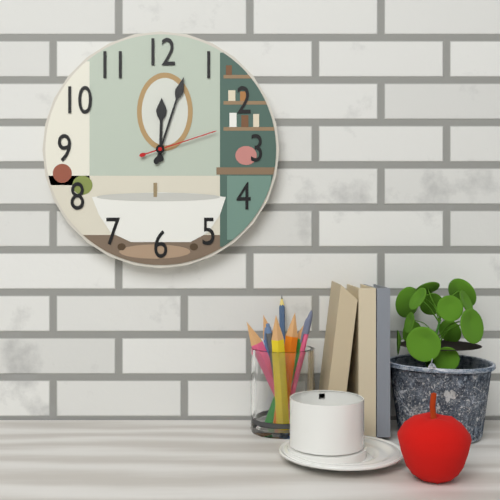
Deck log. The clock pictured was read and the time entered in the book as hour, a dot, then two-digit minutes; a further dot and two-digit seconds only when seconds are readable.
12.03.12
